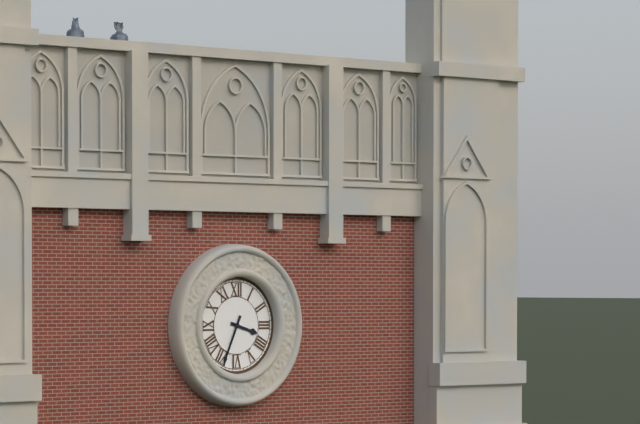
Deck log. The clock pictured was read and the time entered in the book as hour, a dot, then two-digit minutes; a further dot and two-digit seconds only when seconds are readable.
3.34
